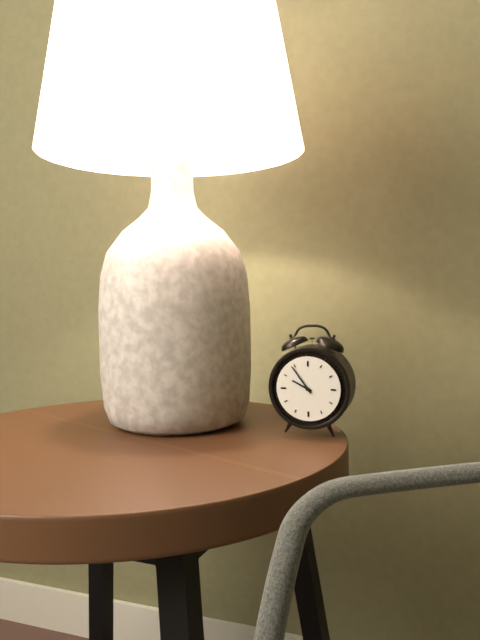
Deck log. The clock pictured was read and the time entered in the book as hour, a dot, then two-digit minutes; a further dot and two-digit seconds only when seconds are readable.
9.54
